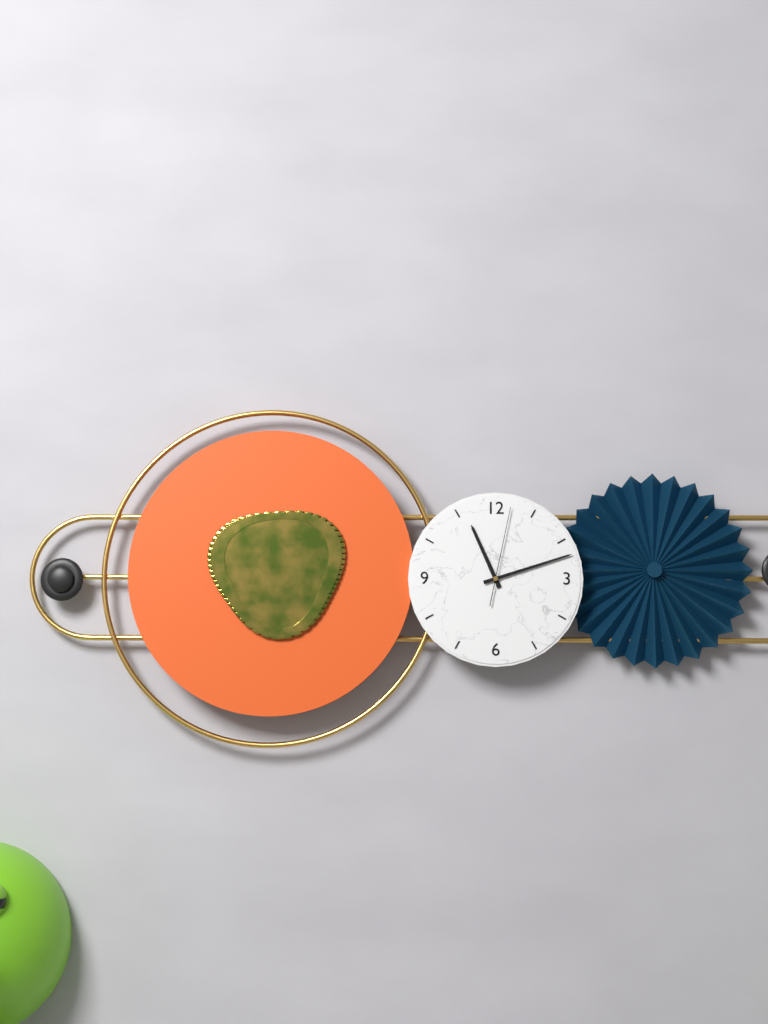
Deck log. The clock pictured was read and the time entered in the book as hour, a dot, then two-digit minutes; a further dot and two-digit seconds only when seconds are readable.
11.12.02
